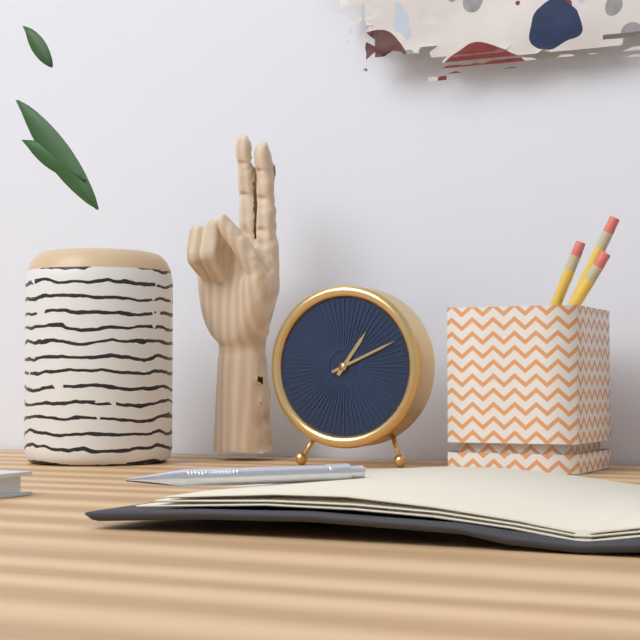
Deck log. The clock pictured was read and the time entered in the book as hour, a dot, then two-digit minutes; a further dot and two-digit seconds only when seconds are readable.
1.11
